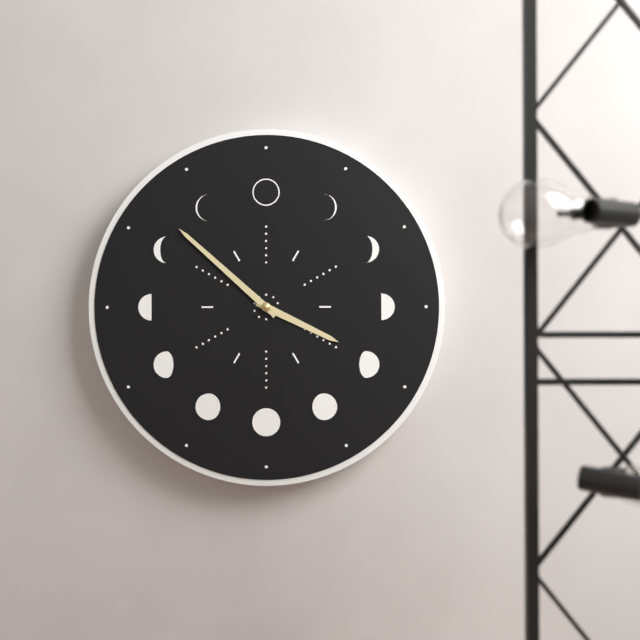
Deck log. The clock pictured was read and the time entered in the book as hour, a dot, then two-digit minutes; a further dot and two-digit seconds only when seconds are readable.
3.52
